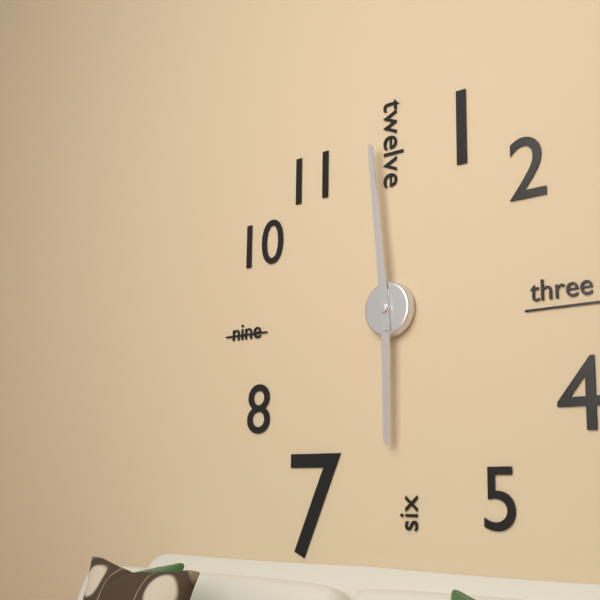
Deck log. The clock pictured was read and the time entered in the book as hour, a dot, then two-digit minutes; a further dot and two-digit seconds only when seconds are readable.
5.59
